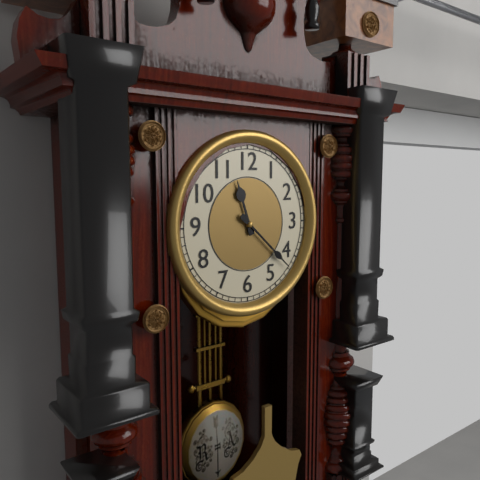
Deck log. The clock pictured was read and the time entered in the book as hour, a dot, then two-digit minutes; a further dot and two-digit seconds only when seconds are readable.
11.22
